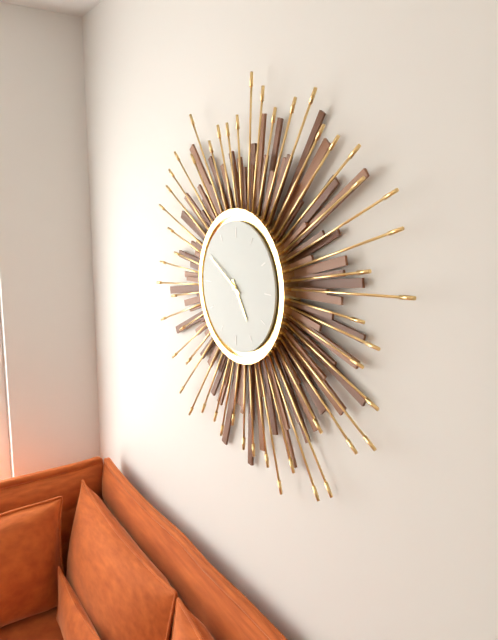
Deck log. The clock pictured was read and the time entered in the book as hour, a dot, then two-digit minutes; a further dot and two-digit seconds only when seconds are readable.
4.50
